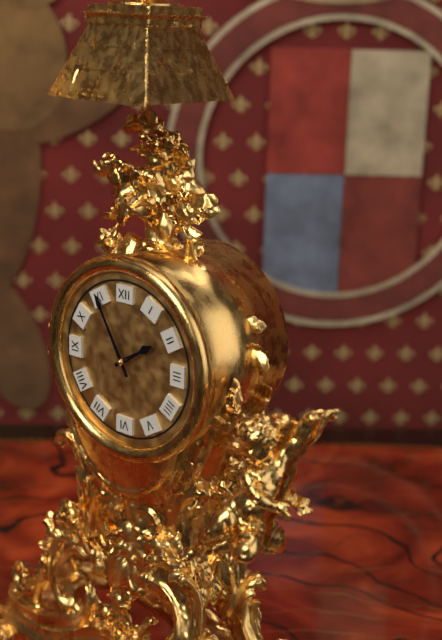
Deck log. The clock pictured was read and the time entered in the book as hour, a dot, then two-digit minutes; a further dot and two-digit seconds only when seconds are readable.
1.55
